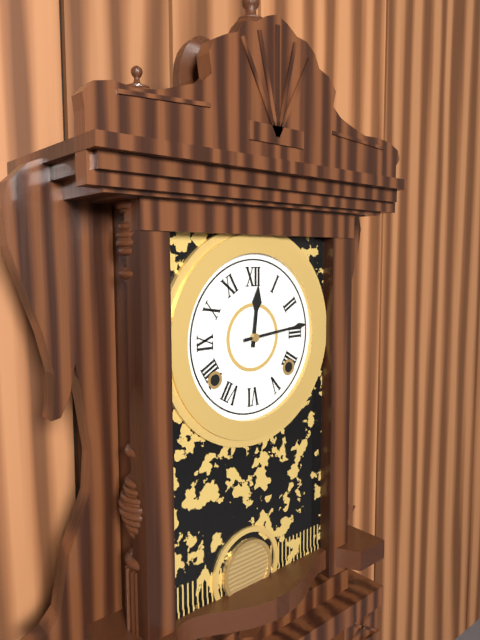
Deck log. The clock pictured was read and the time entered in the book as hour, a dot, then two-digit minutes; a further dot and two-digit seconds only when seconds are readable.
12.14
